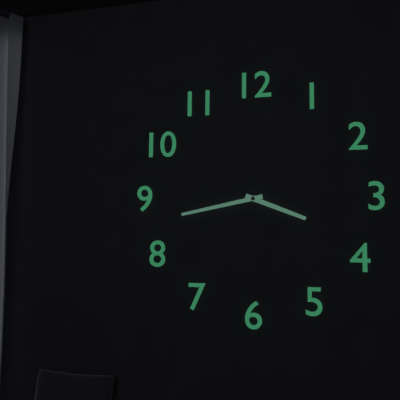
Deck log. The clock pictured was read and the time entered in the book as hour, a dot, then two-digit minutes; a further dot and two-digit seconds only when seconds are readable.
3.43
